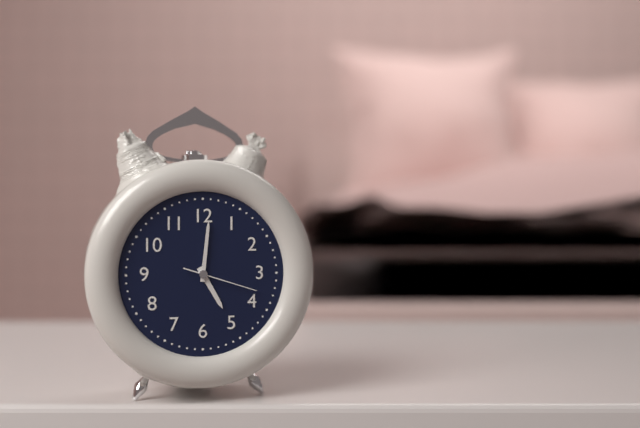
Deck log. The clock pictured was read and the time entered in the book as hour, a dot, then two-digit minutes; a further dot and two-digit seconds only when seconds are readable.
5.01.18
